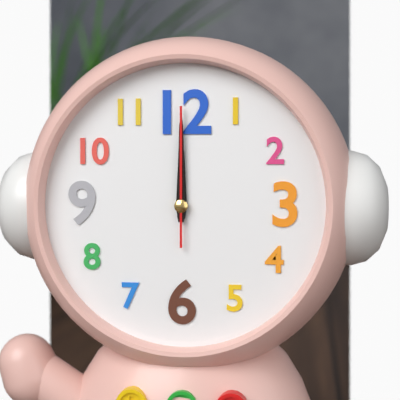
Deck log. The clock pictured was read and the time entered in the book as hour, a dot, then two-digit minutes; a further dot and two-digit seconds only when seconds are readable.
12.00.00
